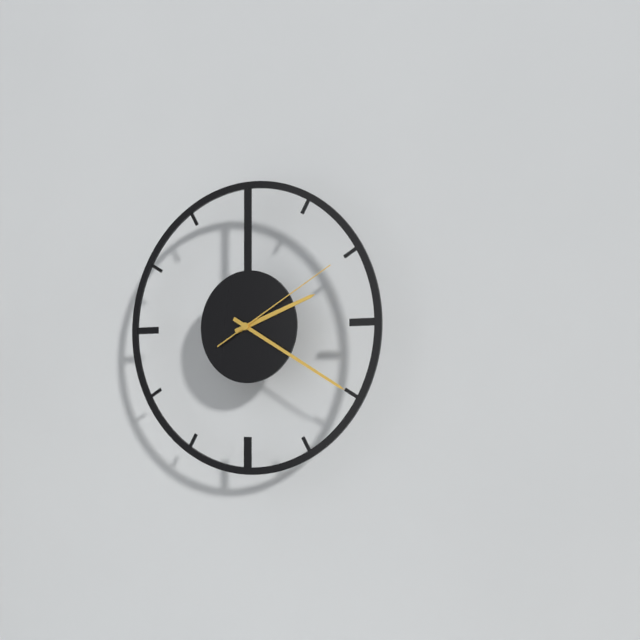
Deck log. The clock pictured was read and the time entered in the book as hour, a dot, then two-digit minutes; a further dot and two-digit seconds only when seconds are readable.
2.20.10
